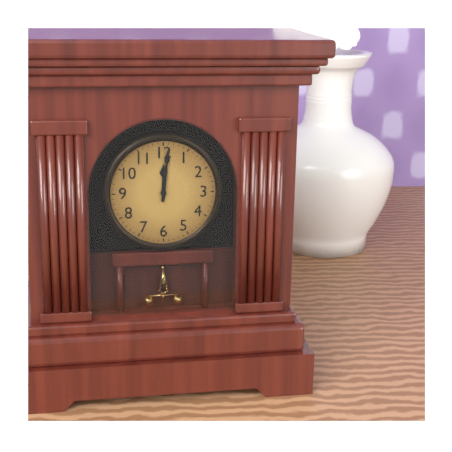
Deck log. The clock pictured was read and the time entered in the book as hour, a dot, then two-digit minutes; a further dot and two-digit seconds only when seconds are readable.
12.01
